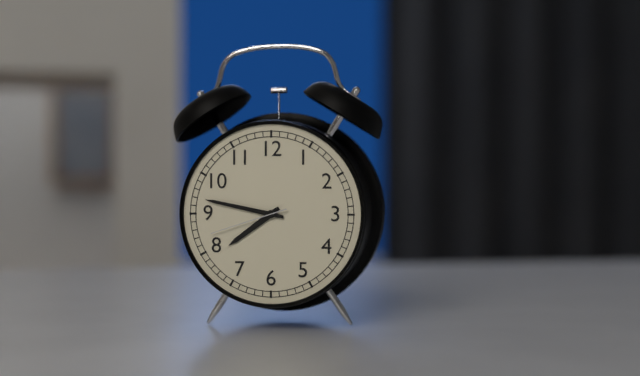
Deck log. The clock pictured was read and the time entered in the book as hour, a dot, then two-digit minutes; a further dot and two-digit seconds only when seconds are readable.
7.47.42
